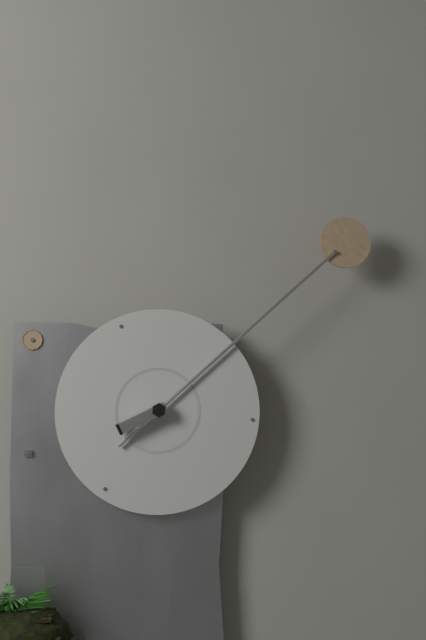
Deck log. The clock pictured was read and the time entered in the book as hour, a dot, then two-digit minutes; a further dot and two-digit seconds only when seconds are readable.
8.08
